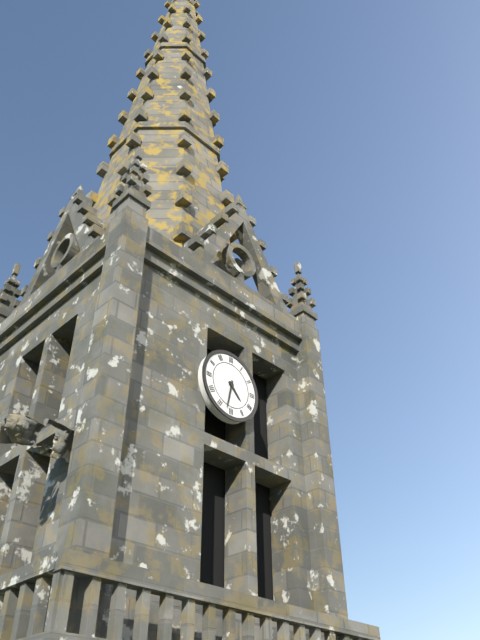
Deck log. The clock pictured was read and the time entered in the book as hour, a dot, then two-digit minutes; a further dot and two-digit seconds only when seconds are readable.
4.32
